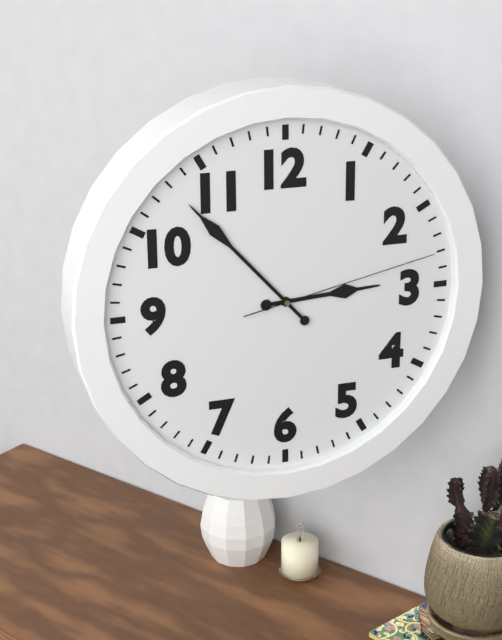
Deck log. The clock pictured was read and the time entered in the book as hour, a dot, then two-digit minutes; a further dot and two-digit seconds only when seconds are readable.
2.53.13
